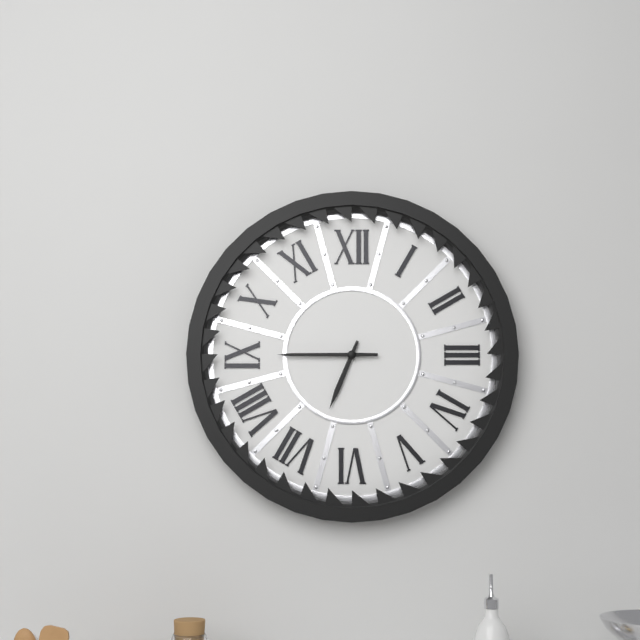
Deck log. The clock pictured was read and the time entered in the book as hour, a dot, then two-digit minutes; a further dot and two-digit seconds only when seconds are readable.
6.45
